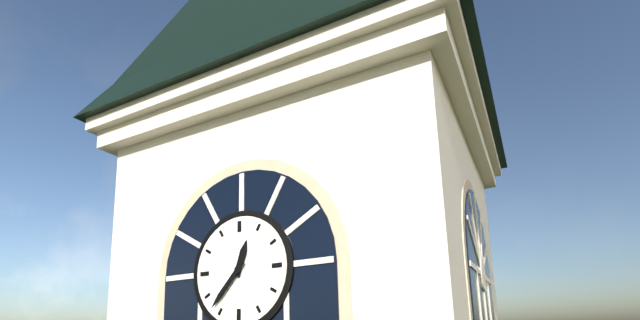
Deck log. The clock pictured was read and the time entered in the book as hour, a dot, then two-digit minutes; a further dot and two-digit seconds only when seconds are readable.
12.37
